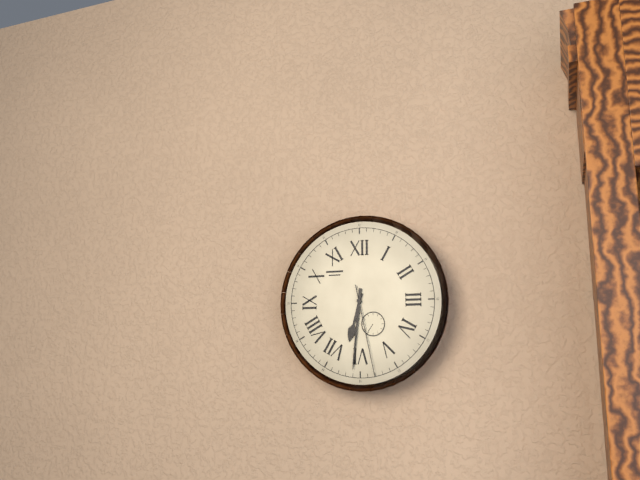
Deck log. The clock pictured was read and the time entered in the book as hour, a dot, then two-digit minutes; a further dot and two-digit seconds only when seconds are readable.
6.31.28
